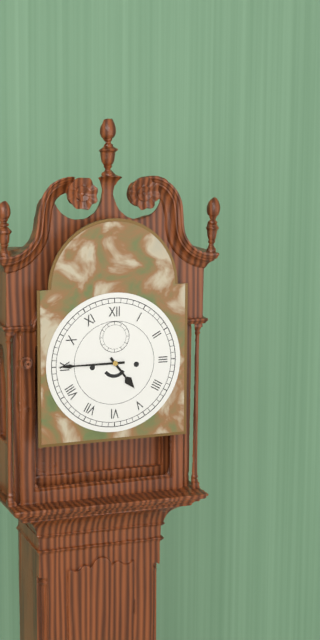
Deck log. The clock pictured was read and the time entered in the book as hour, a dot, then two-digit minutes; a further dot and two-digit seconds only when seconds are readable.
4.45
